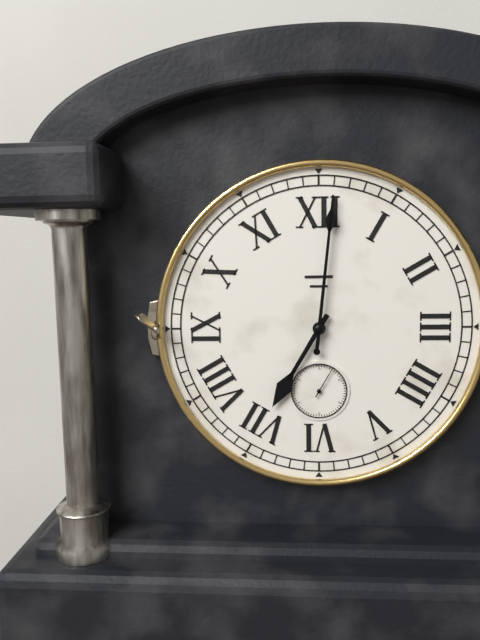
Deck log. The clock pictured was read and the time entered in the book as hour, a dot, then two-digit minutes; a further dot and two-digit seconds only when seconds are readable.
7.01
